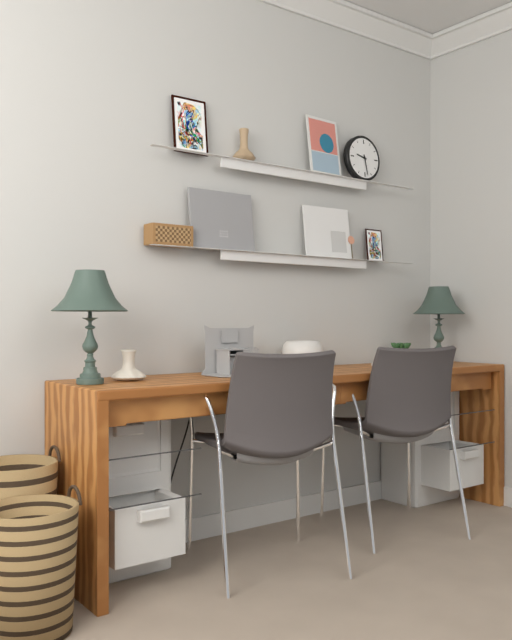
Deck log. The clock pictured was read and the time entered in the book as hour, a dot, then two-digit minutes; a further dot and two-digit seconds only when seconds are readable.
9.28
